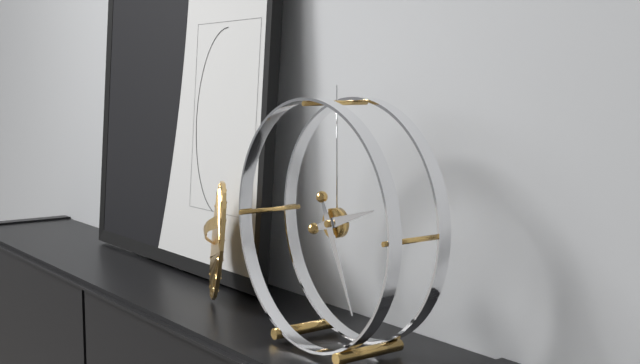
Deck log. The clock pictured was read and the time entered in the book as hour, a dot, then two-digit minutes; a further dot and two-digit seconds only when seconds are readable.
2.26
